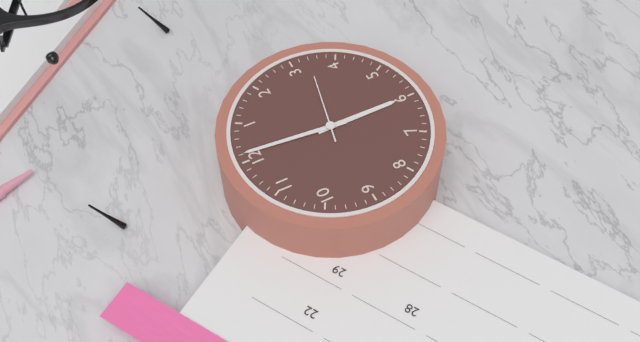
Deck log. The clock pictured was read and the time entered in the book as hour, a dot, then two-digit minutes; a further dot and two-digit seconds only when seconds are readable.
6.01.17
